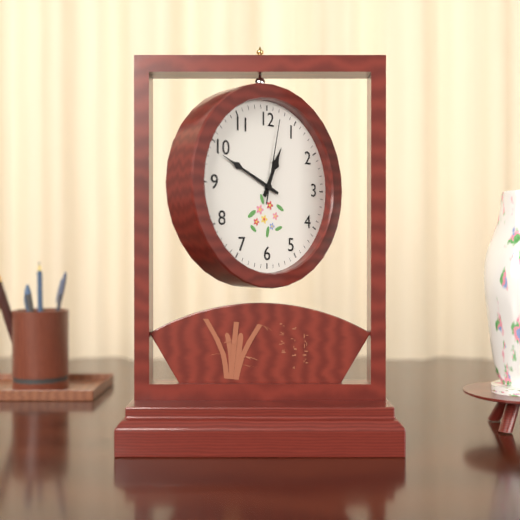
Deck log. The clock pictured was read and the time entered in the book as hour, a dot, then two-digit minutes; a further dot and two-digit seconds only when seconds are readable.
12.49.02
